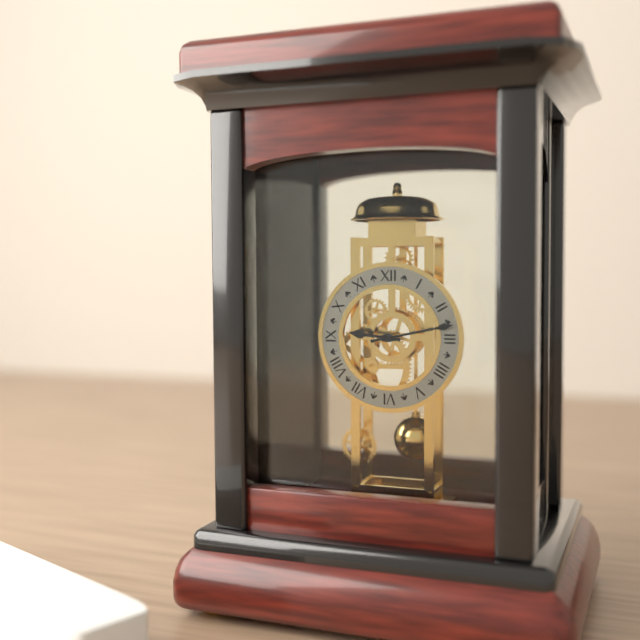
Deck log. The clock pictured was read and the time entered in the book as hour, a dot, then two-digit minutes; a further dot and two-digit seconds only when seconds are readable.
9.13
